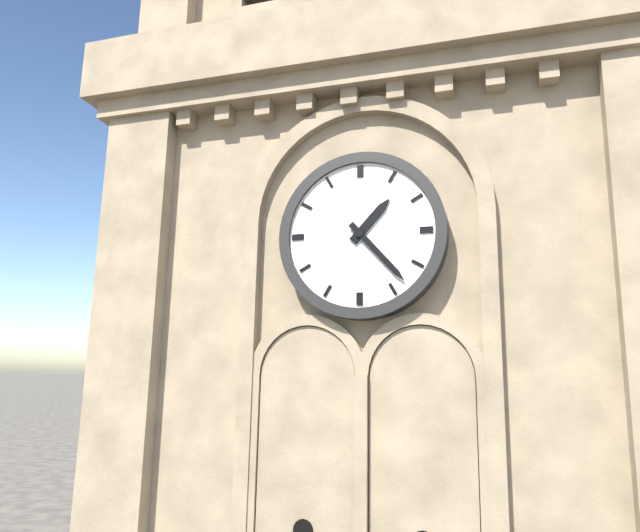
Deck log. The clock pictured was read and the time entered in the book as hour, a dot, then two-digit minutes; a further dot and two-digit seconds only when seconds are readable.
1.23
